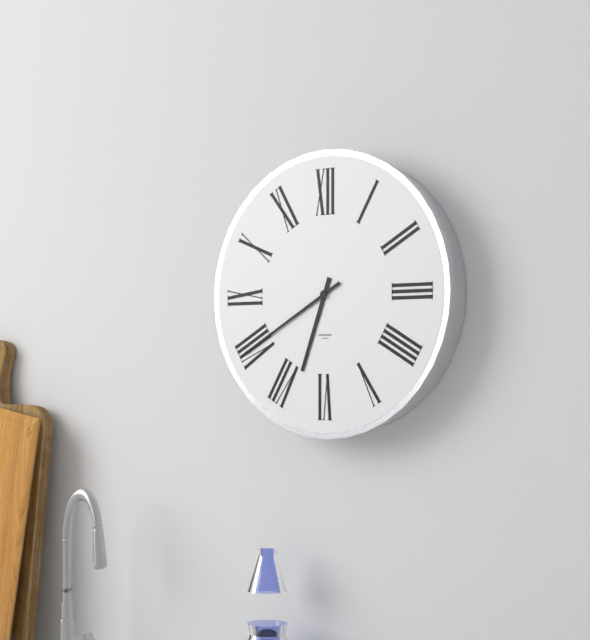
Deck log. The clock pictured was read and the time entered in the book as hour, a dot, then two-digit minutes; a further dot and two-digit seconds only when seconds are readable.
6.40
